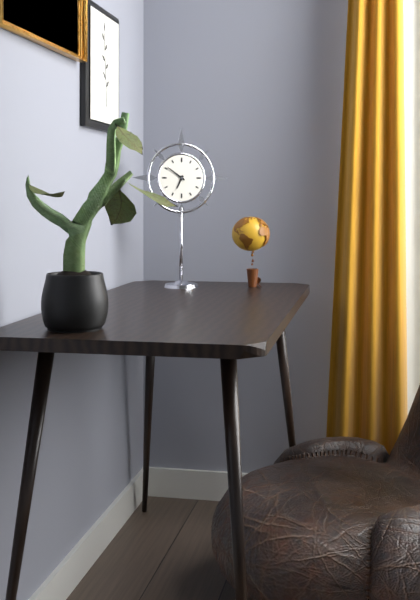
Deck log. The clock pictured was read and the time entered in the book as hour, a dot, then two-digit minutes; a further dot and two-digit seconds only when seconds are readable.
6.51
